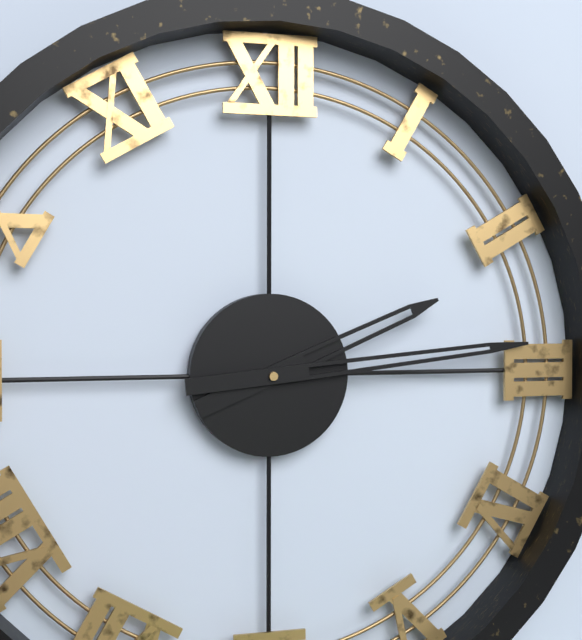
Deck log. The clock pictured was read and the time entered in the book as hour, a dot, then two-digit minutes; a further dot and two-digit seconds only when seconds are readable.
2.14
